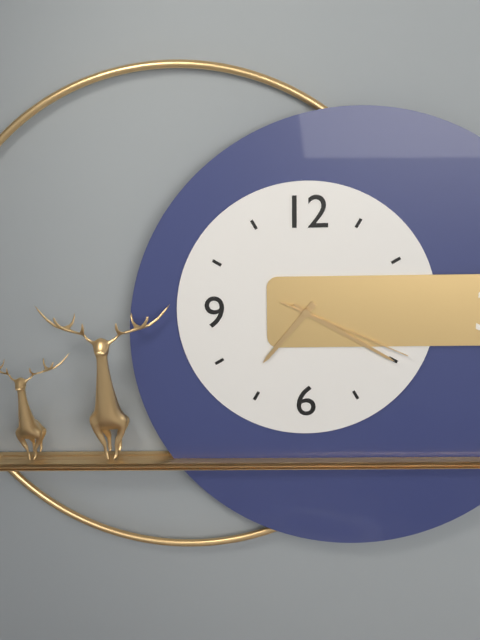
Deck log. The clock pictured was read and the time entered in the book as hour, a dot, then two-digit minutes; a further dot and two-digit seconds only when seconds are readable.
7.20.19
